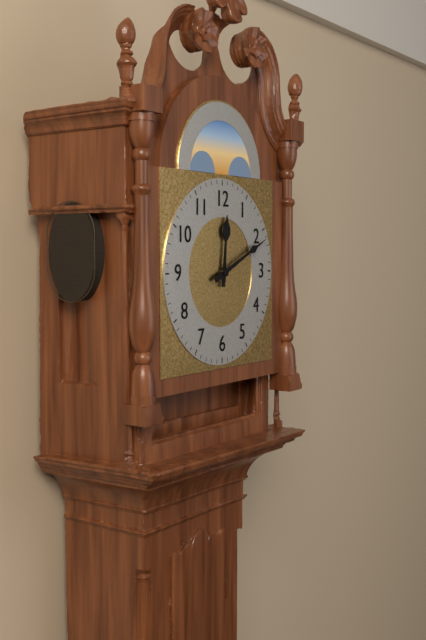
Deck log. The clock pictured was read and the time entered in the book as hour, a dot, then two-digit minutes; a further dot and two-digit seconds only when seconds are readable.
12.11
